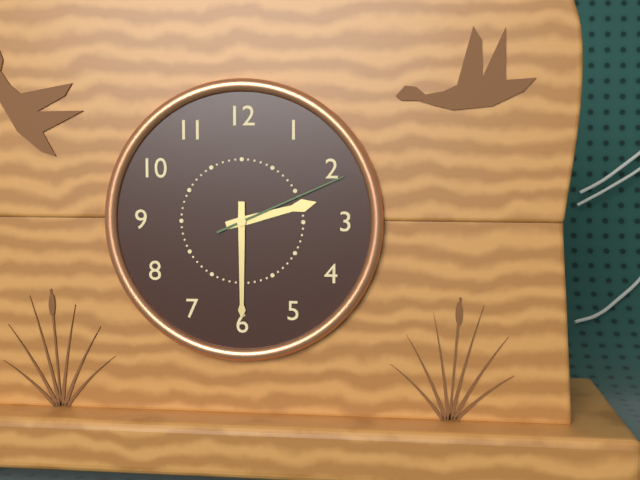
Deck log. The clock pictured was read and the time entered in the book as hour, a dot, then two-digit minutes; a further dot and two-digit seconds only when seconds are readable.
2.30.11
